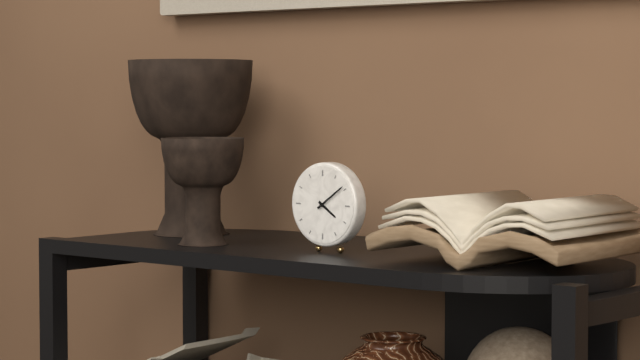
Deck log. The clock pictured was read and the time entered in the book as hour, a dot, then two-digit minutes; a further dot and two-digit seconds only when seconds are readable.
4.09
